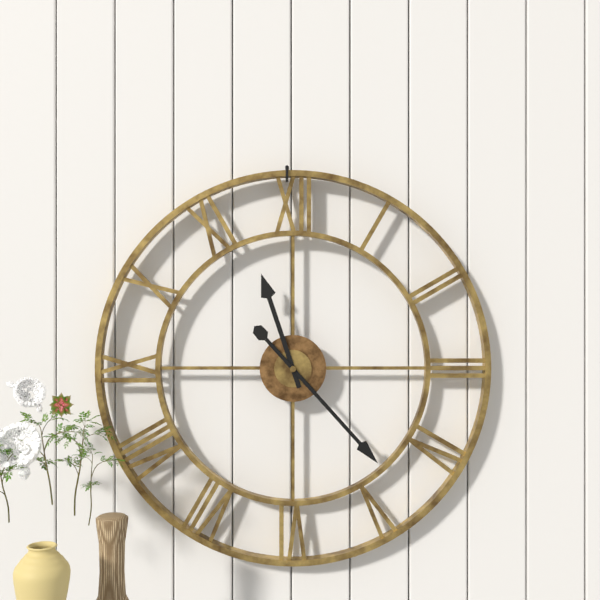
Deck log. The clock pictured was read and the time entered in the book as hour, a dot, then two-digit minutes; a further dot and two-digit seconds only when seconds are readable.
11.23
